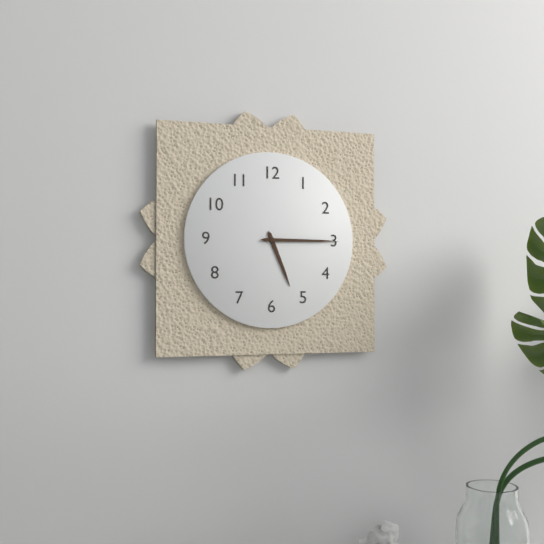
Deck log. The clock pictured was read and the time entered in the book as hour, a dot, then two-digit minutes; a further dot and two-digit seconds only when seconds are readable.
5.15
